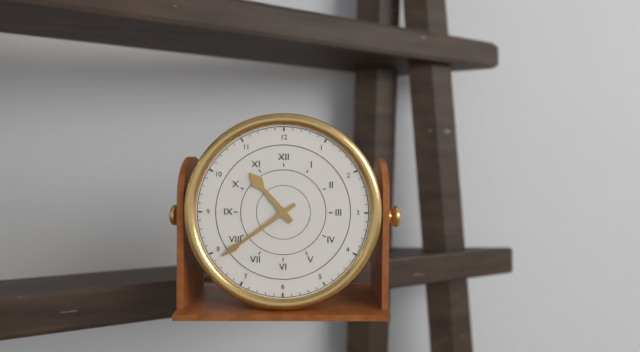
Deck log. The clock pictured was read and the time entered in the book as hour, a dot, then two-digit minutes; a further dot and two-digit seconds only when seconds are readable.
10.39
